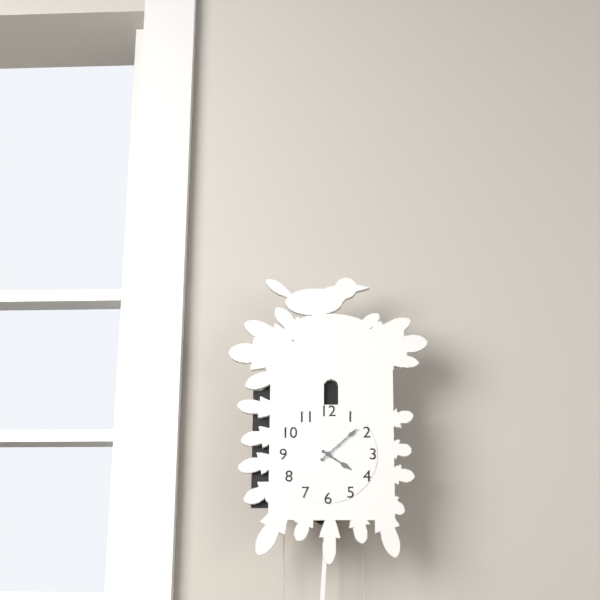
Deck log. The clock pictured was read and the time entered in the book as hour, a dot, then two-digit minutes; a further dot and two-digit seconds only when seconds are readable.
4.08
